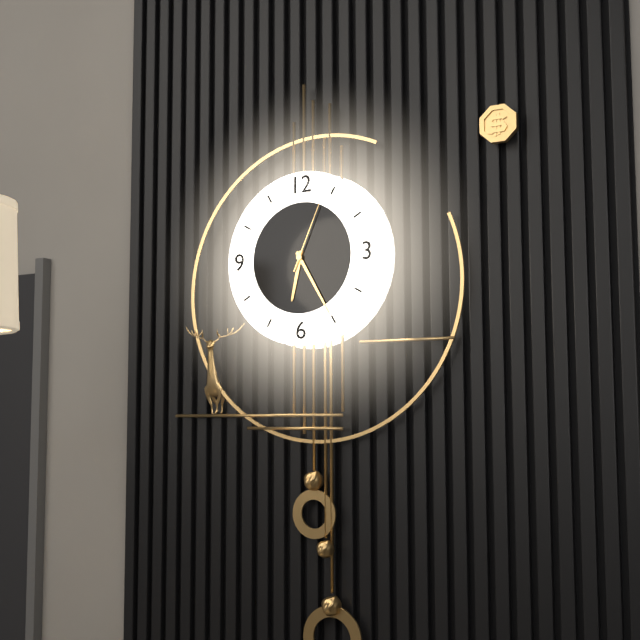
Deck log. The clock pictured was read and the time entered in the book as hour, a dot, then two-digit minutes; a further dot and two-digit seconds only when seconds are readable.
6.25.04
